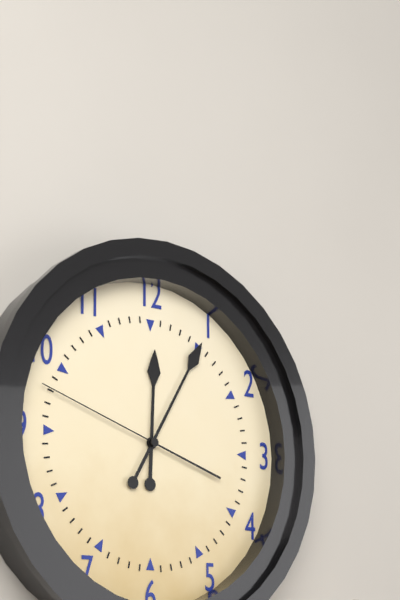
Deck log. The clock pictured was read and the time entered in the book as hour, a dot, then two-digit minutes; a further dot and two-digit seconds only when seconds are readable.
12.05.48
